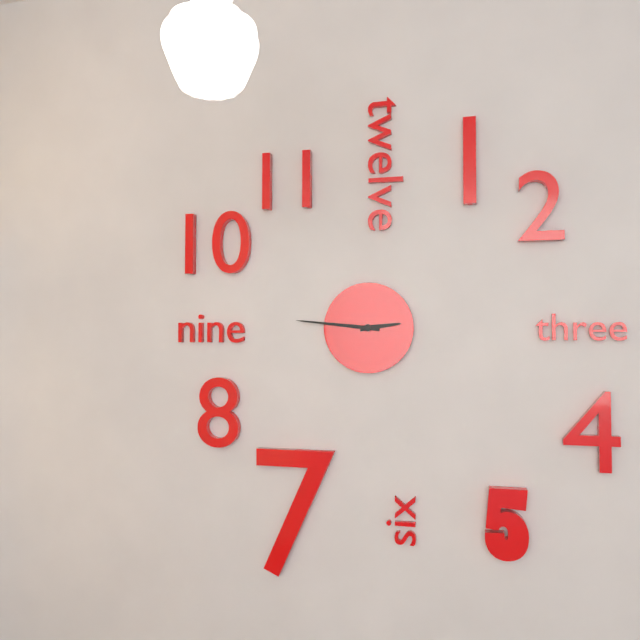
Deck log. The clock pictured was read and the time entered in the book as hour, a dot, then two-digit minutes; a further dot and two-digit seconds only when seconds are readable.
2.46
